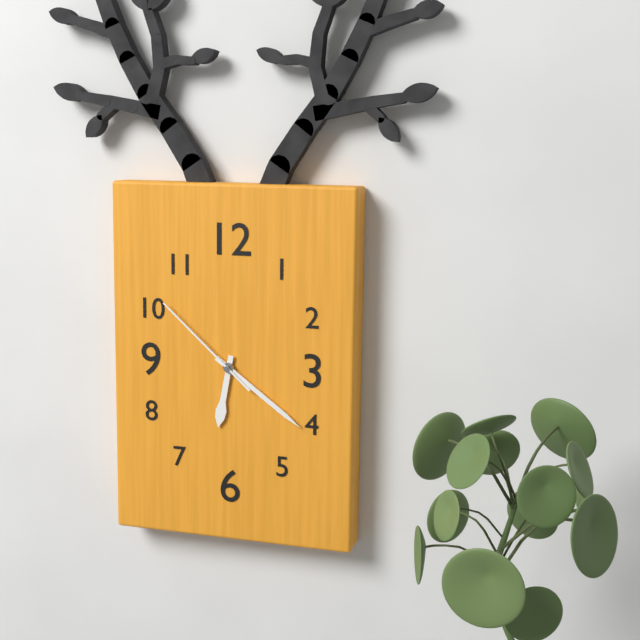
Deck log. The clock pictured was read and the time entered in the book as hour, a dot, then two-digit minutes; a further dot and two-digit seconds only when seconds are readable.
6.21.52
